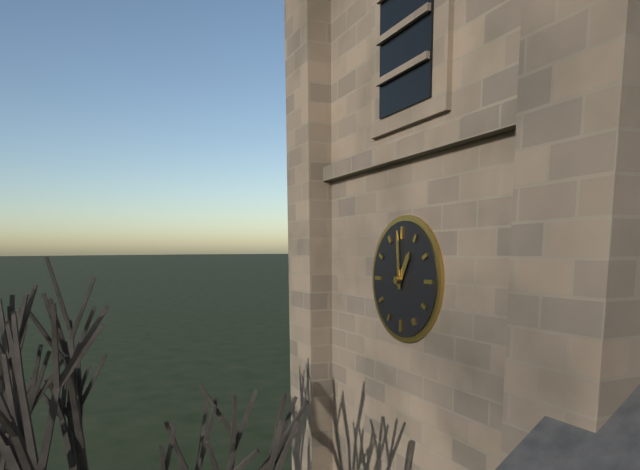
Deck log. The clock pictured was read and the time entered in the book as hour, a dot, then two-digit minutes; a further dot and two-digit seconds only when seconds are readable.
12.59
